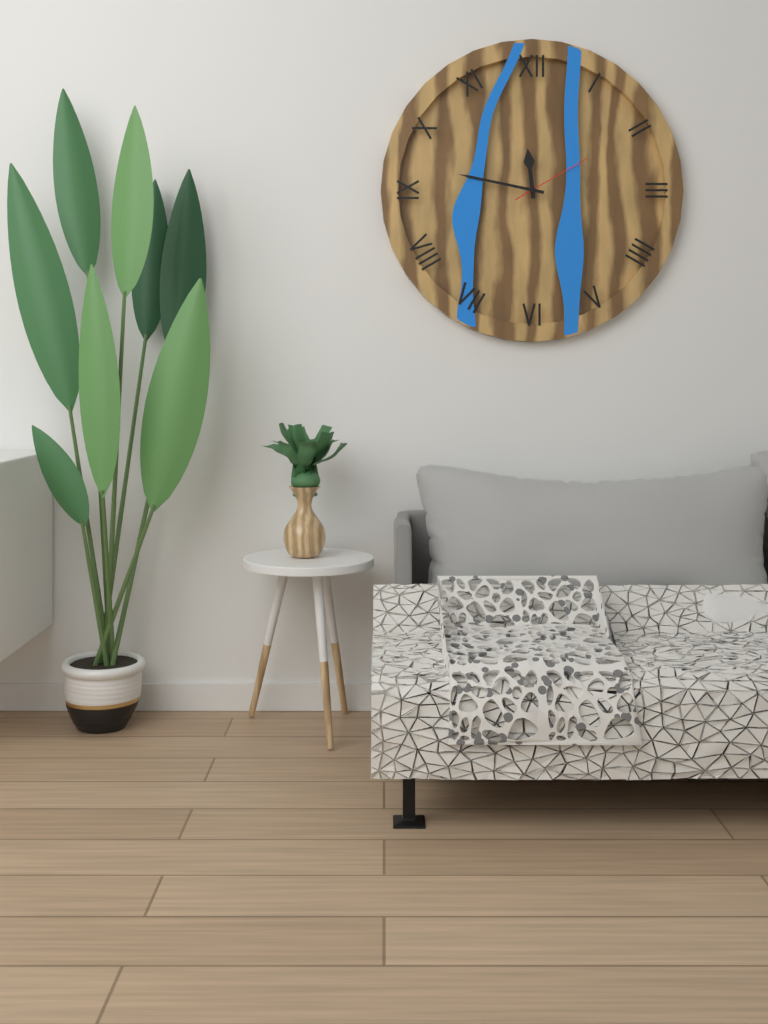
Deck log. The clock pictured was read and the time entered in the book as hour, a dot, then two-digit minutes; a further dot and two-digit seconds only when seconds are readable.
11.47.10
